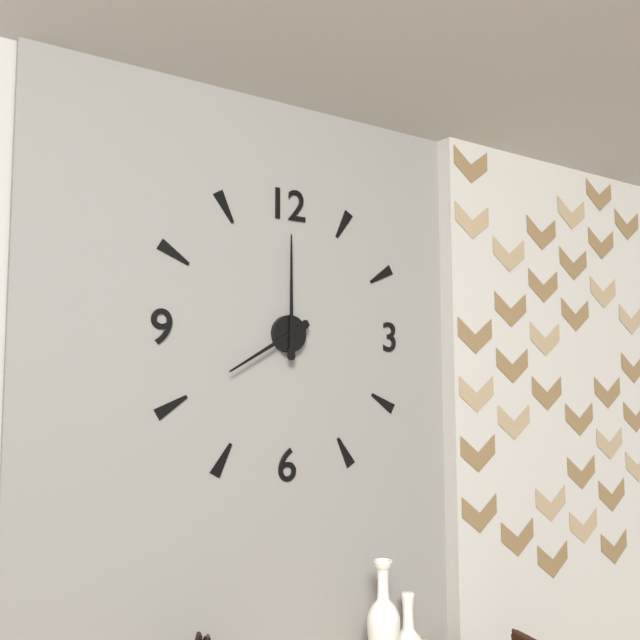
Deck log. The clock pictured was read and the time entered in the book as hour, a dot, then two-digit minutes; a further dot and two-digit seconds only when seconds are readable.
8.00
